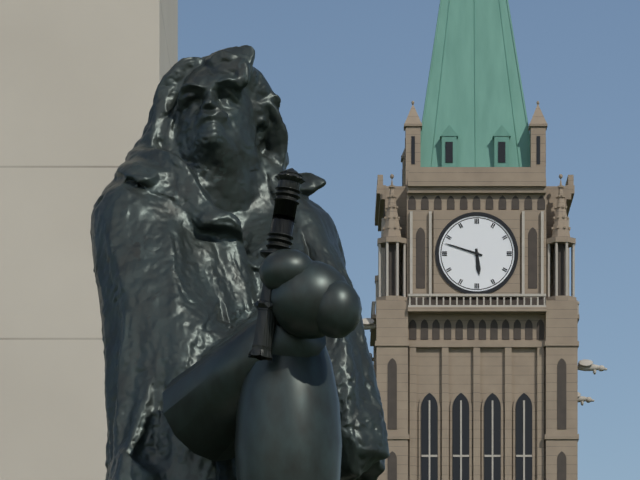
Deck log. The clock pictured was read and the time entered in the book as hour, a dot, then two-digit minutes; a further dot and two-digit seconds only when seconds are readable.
5.48
